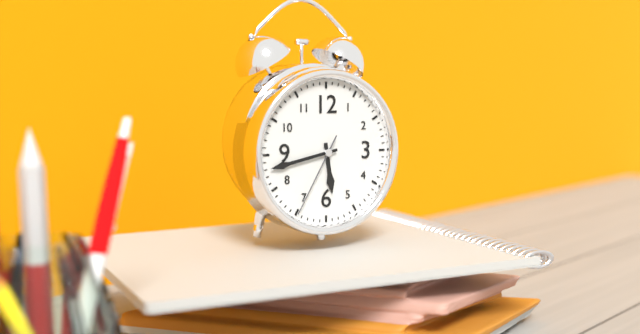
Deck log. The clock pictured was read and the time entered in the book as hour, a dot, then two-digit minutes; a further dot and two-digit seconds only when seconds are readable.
5.43.35
